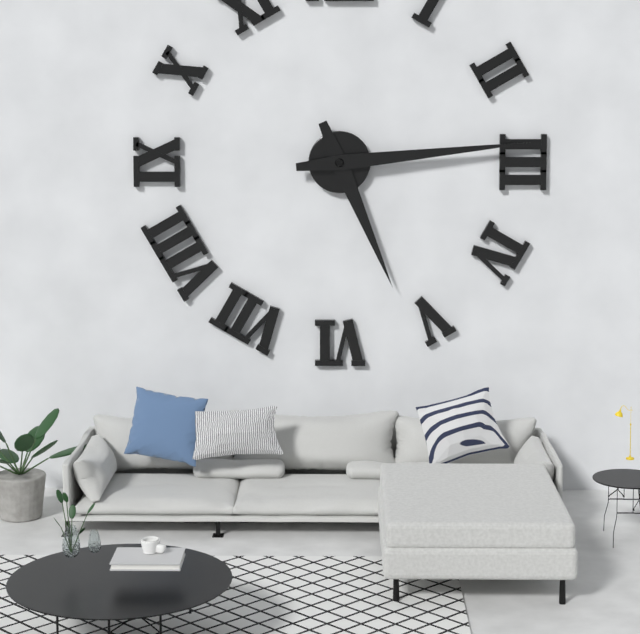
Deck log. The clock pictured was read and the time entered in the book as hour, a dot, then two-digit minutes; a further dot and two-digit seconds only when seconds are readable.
5.14
